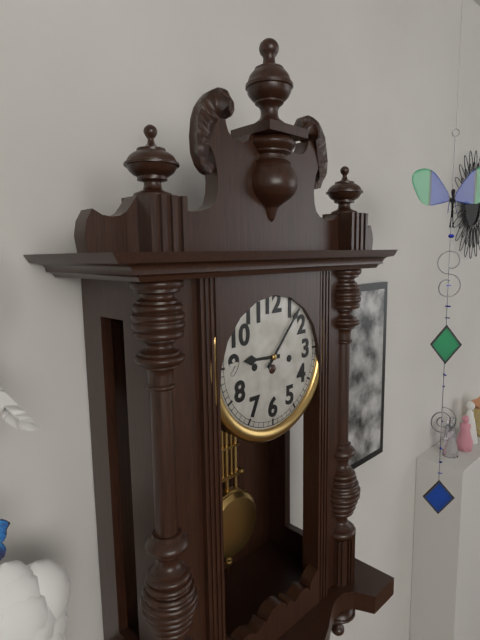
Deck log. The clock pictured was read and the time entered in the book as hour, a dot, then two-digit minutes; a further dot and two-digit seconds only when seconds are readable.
9.07
